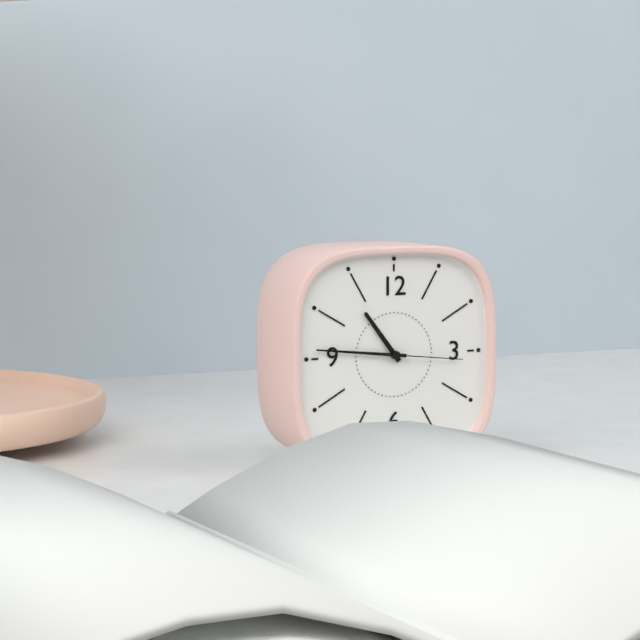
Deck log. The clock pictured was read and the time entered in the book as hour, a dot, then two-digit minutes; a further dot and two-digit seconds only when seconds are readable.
10.46.16
